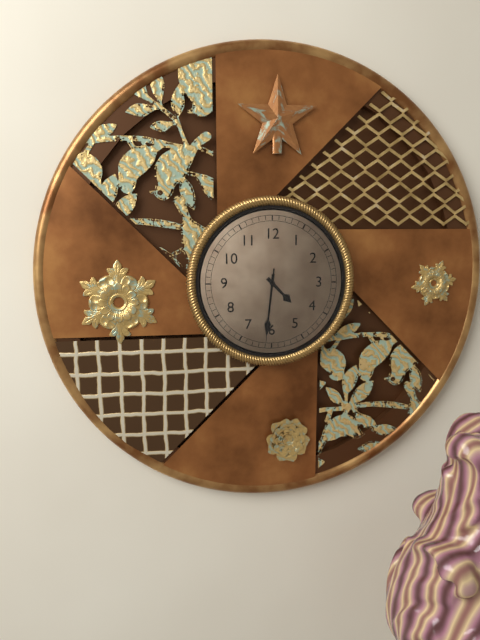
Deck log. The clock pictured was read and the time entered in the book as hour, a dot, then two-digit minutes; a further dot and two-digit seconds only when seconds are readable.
4.31.31
